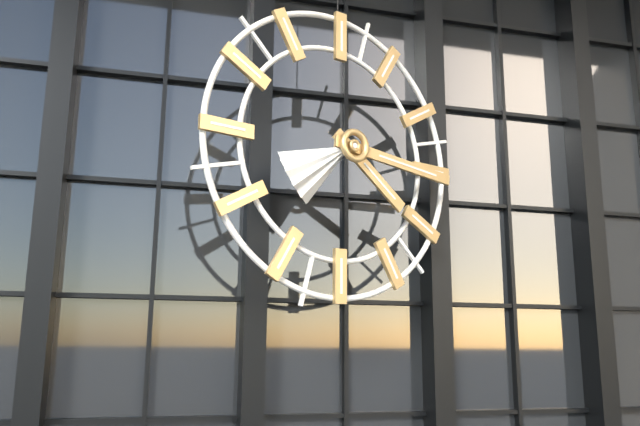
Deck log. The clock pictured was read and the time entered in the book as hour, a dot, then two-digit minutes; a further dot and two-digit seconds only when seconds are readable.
4.16
